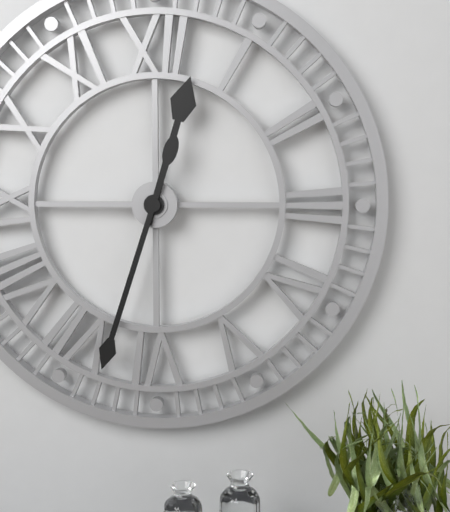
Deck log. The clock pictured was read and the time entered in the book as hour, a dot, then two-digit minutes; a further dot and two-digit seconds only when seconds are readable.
12.33
